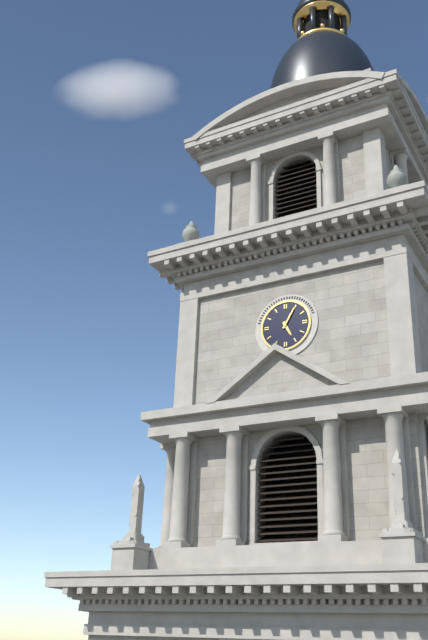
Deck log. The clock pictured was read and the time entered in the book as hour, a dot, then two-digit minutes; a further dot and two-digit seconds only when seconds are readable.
5.05
